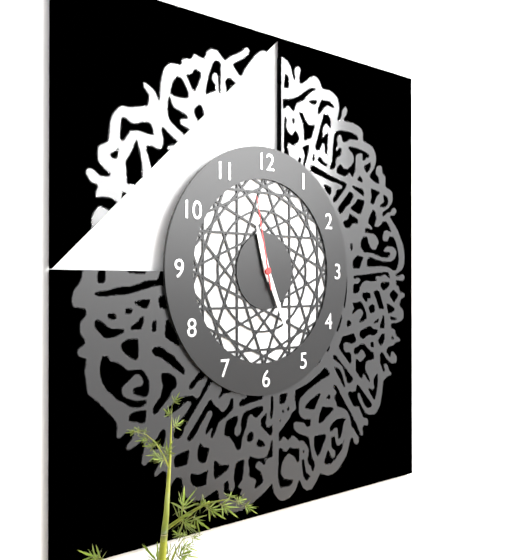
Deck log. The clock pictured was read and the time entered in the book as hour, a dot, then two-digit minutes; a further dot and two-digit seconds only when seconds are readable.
11.26.58
